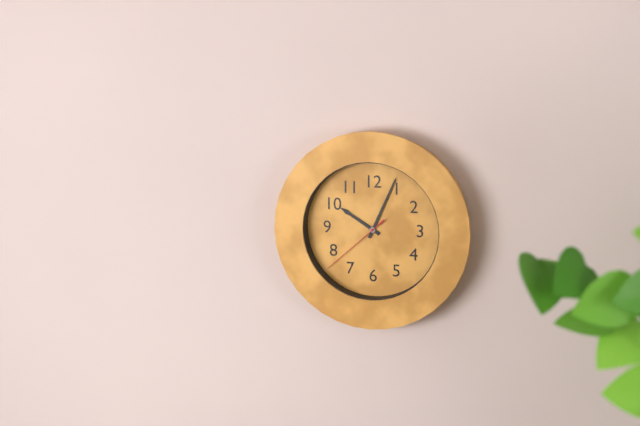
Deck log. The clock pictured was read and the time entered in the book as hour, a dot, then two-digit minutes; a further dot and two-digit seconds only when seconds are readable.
10.04.38
